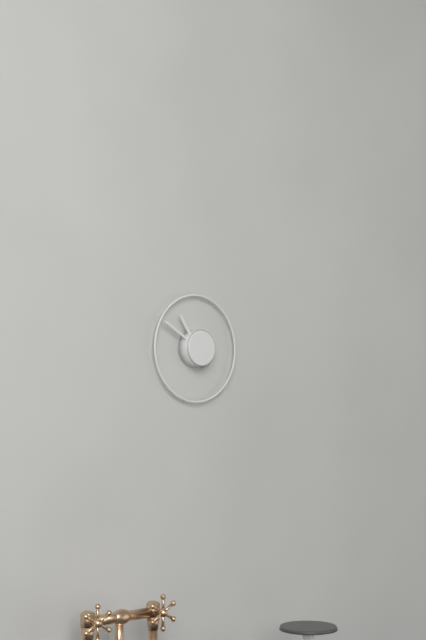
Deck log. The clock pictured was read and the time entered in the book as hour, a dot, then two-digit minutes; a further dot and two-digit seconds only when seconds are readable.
10.50
